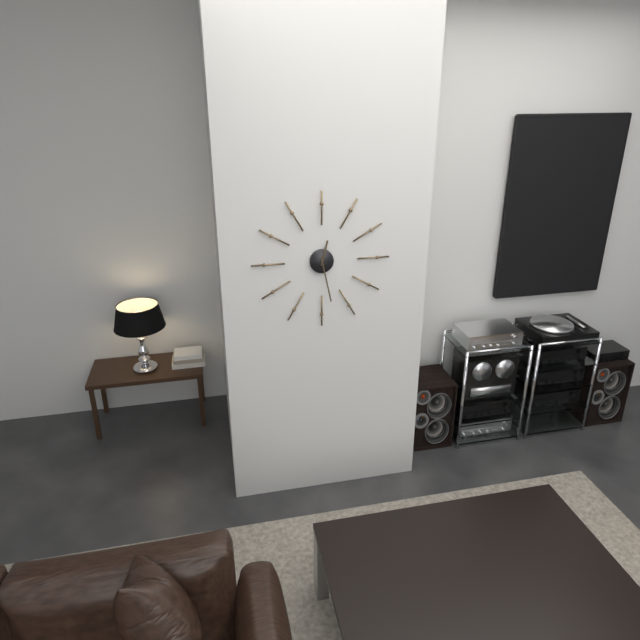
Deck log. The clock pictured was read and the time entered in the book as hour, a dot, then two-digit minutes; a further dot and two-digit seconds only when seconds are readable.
12.28
